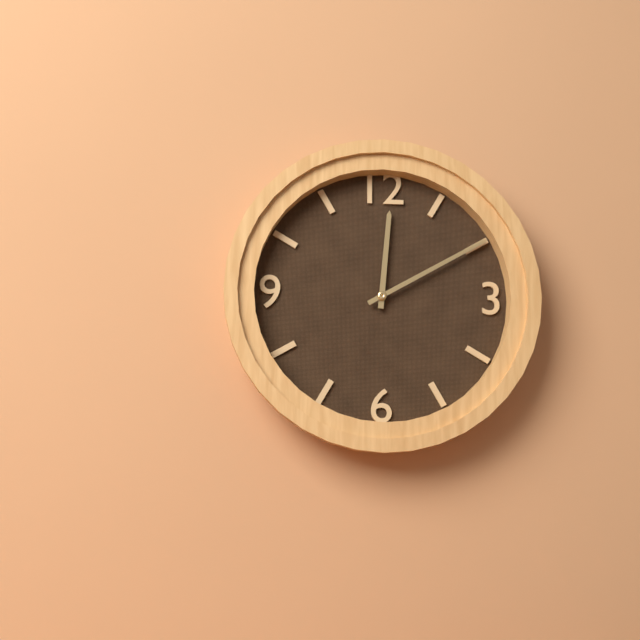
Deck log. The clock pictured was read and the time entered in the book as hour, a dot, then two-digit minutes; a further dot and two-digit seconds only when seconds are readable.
12.10
